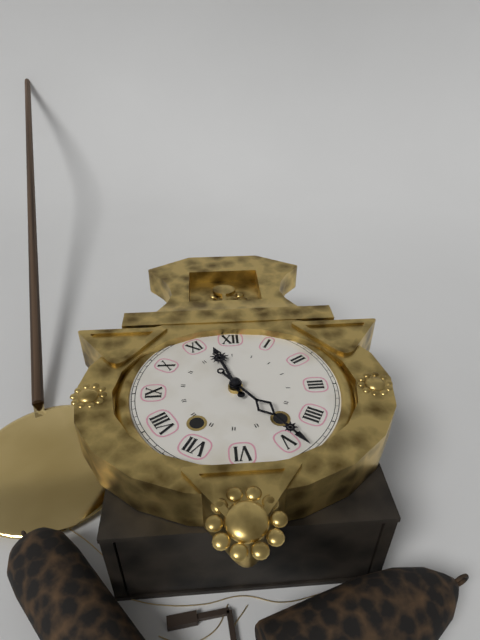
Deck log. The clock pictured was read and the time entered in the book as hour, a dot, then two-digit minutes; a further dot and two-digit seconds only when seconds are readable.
11.24
